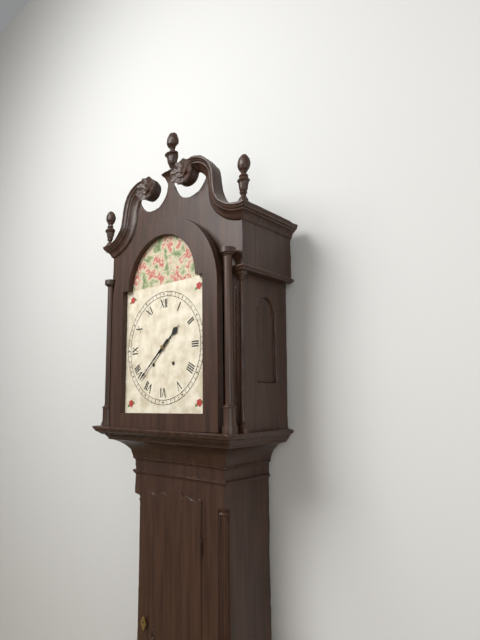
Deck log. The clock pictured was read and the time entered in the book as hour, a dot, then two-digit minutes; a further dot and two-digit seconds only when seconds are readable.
1.38
